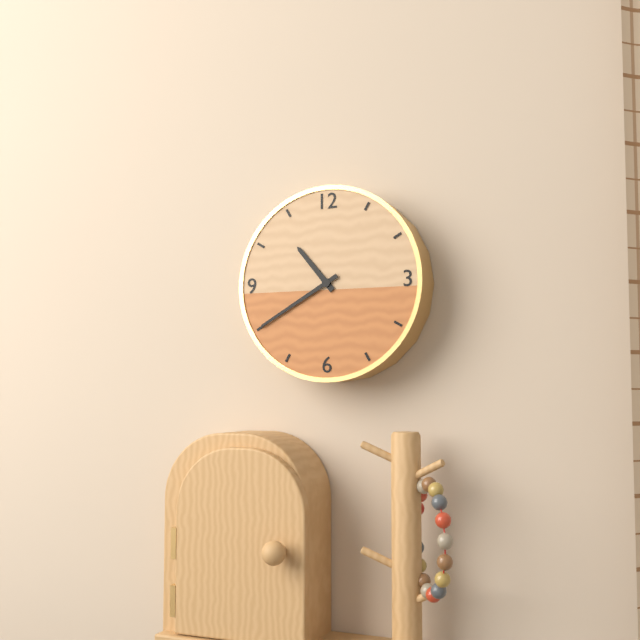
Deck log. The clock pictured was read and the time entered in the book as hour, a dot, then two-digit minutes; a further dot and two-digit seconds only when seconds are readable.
10.40
